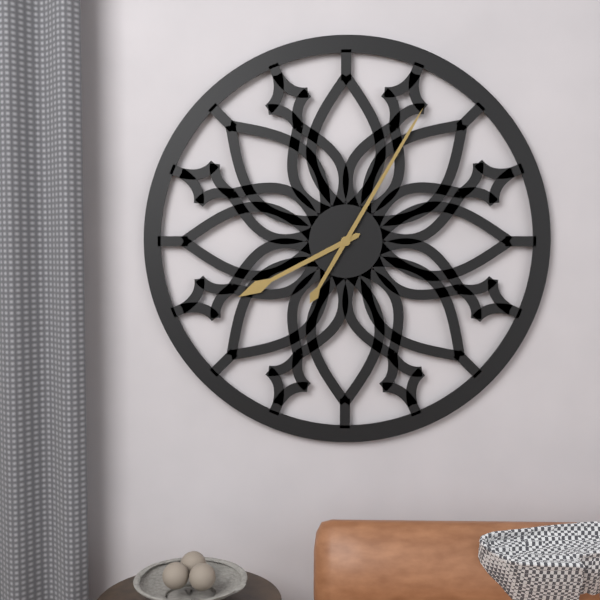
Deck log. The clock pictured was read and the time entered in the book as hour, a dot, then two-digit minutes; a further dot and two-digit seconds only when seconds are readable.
8.05
